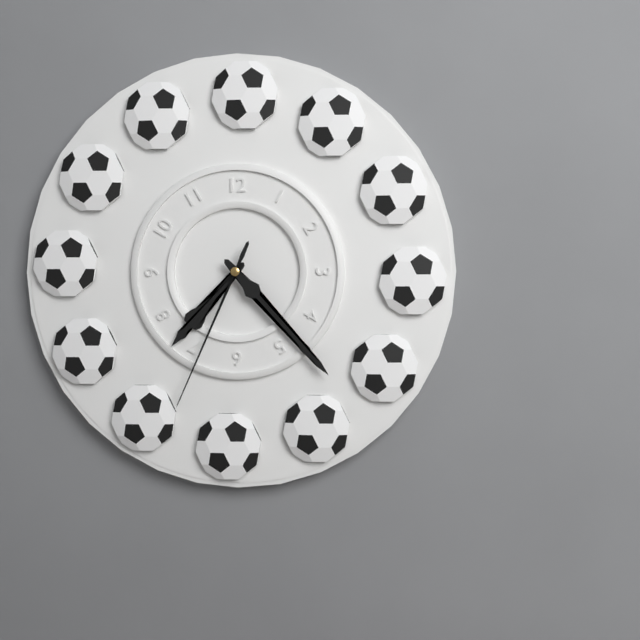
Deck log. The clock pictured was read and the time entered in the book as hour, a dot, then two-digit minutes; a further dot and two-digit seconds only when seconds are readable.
7.23.34
